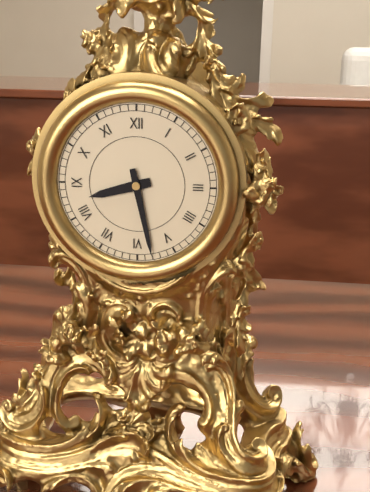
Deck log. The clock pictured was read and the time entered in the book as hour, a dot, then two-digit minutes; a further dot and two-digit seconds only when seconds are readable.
8.28
